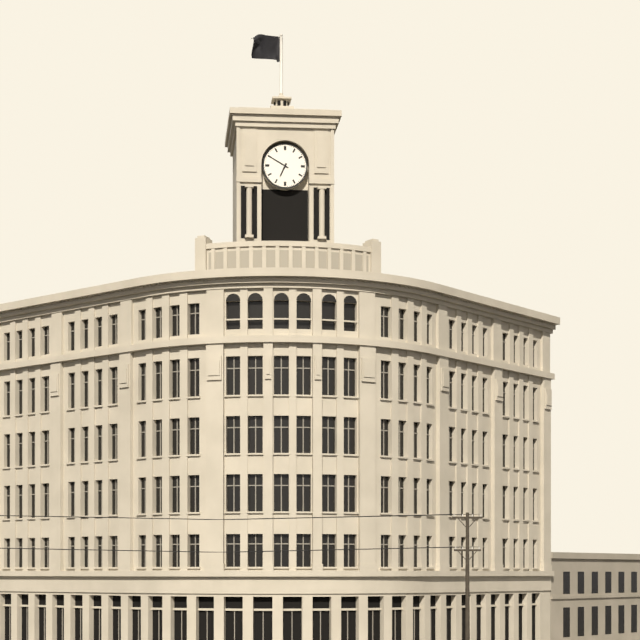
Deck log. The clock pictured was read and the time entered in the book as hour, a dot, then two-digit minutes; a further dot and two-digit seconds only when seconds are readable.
6.50
